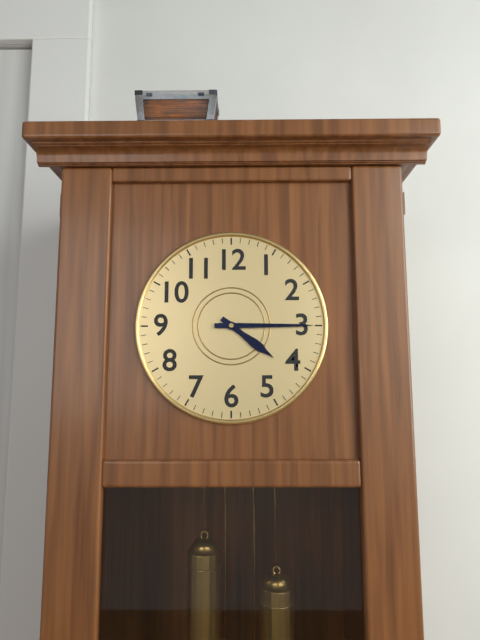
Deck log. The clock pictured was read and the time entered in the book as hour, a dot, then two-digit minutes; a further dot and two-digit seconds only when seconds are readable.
4.15
